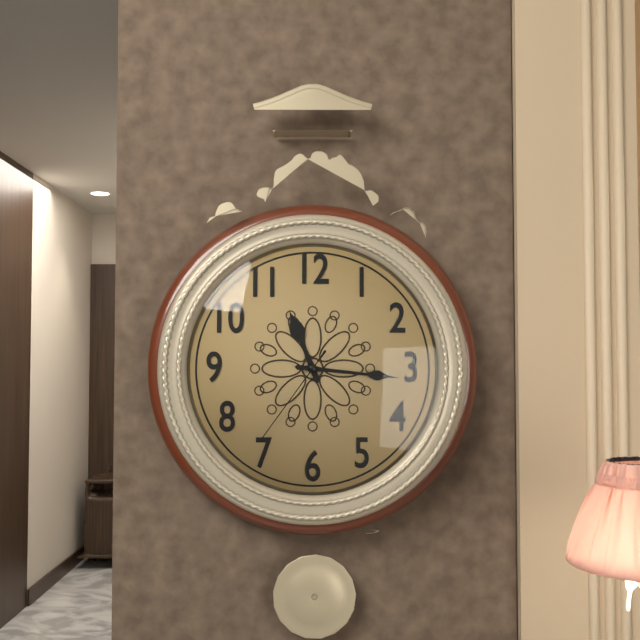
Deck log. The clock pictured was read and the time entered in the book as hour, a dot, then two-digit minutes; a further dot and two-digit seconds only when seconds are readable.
11.16.36
